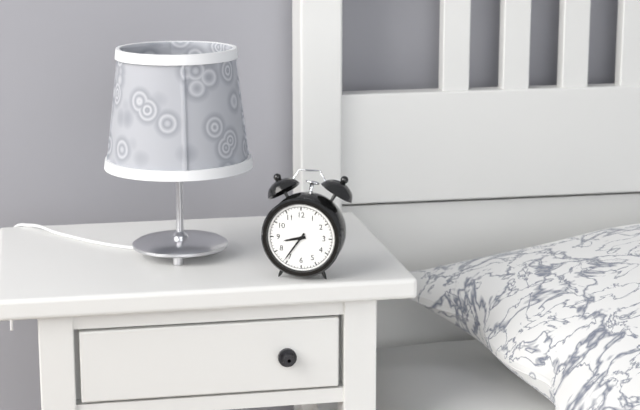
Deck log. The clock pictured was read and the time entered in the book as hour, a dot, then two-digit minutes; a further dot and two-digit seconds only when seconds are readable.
8.36
